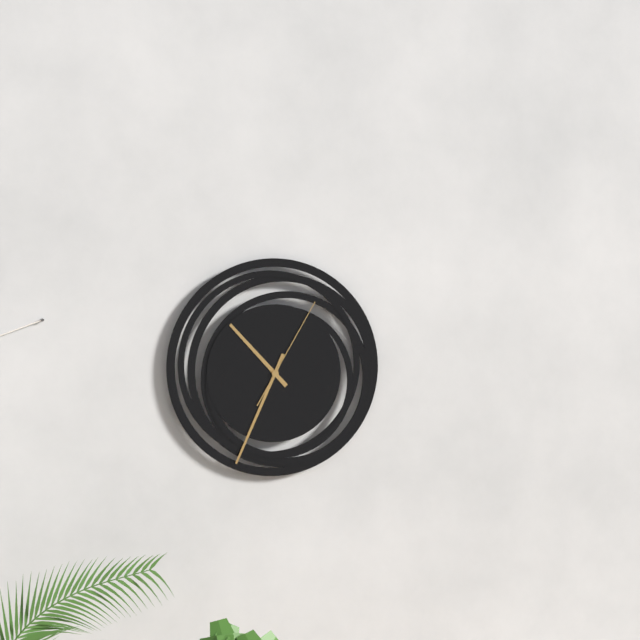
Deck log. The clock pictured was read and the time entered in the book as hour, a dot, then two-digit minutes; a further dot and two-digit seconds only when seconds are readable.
10.34.05
